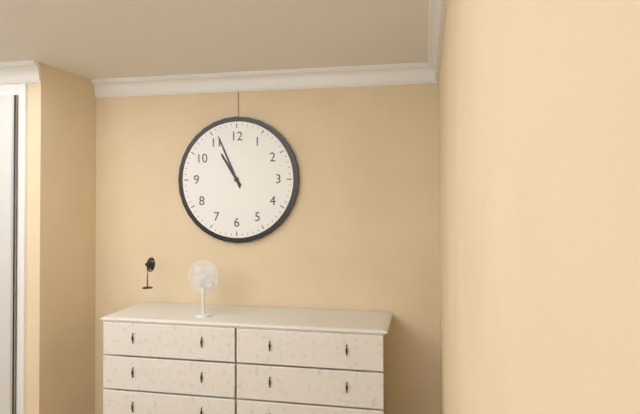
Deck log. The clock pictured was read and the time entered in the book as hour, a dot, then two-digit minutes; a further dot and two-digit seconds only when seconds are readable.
10.56
